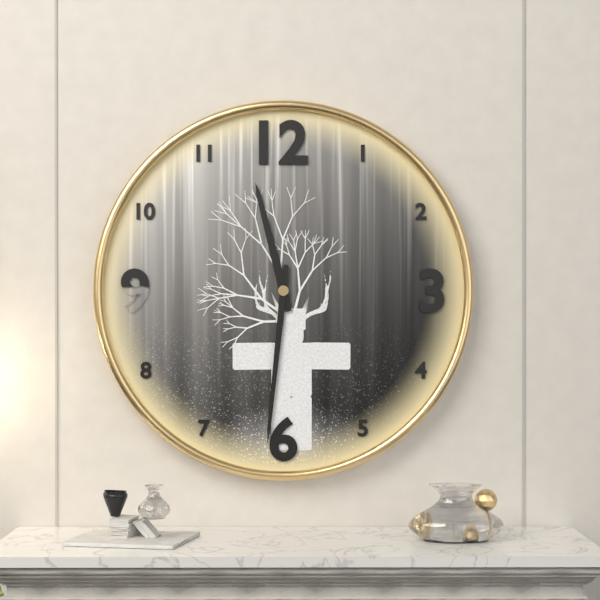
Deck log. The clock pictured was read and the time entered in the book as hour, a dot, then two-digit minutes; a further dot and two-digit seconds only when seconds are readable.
11.31
